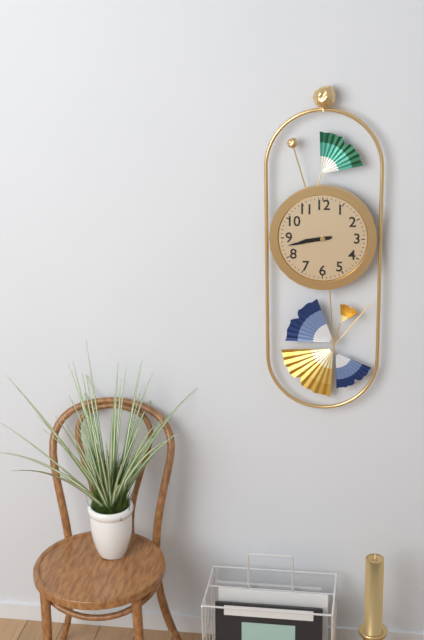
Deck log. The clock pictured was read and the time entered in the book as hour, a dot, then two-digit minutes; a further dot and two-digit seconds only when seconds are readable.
8.43
